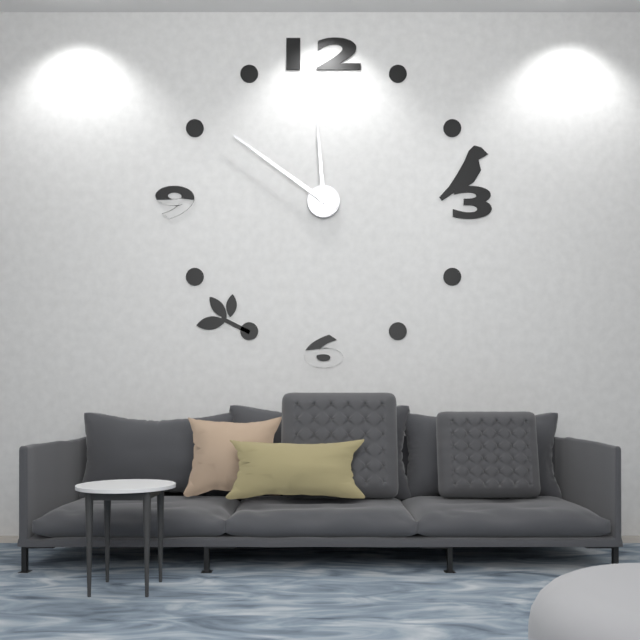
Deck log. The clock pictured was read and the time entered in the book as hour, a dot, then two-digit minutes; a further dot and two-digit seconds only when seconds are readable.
11.51
